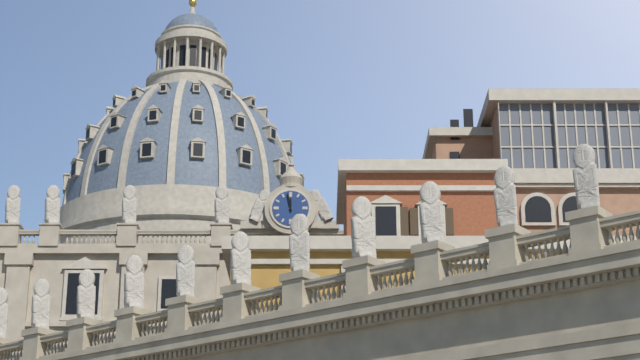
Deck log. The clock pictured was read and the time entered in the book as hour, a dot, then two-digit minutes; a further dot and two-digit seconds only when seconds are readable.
11.58
